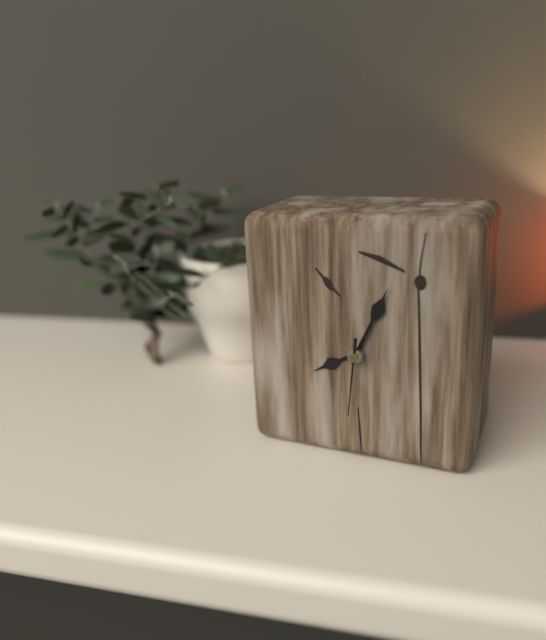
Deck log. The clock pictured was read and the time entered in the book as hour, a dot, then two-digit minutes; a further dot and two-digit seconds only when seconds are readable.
8.04.31
